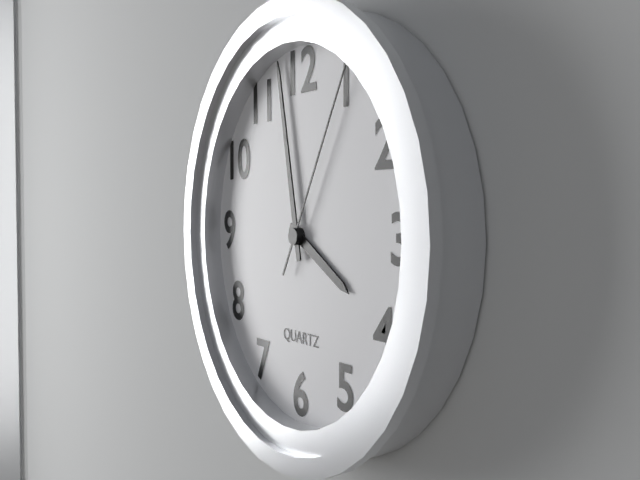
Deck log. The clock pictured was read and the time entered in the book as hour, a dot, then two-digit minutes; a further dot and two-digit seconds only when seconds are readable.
3.58.05
